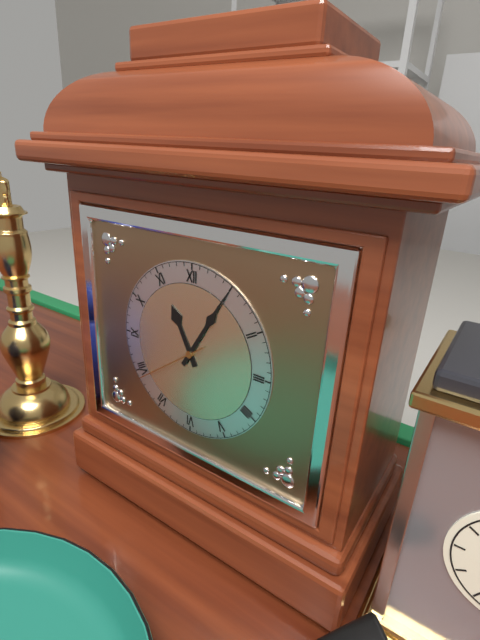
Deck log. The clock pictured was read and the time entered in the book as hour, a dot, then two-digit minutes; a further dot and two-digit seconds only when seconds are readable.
11.05.39
